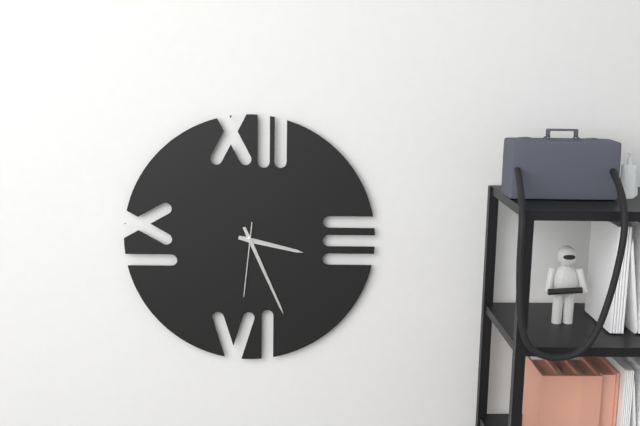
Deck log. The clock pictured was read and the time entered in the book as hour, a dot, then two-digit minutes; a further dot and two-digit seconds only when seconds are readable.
3.26.31
